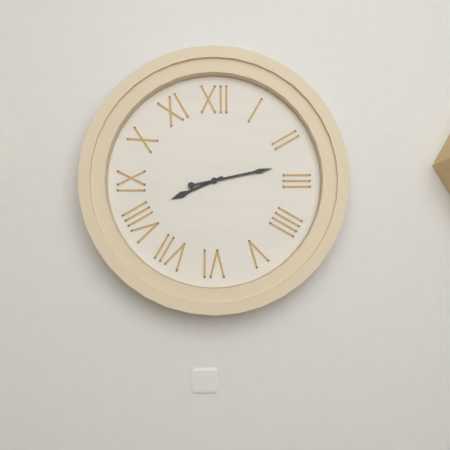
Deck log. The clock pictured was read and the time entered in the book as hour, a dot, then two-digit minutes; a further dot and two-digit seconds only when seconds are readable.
8.13
